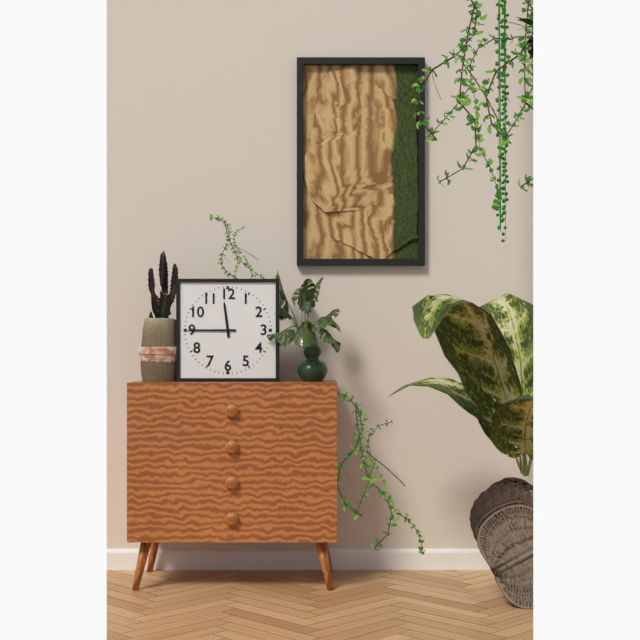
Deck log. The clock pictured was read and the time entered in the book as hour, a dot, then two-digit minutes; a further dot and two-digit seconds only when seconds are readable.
11.45
